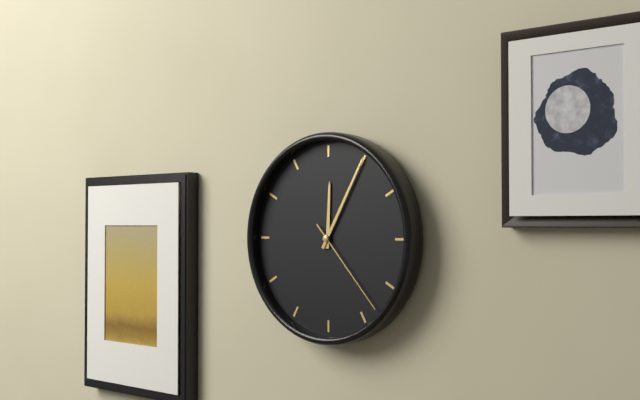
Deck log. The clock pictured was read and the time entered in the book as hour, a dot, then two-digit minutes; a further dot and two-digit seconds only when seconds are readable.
12.05.23
